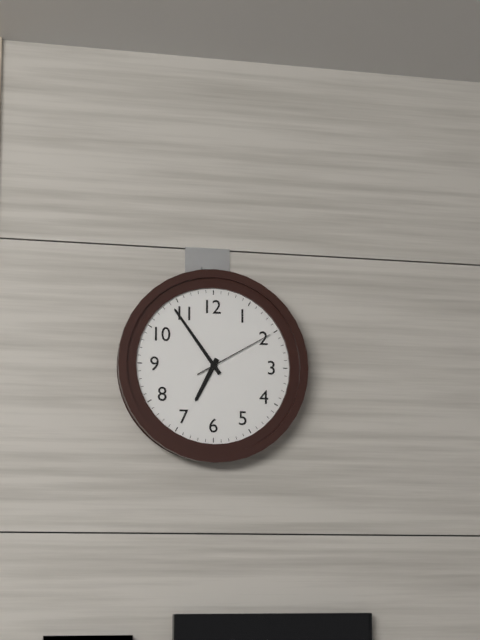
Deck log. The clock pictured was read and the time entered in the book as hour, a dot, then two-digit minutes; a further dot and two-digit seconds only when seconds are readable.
6.54.10
